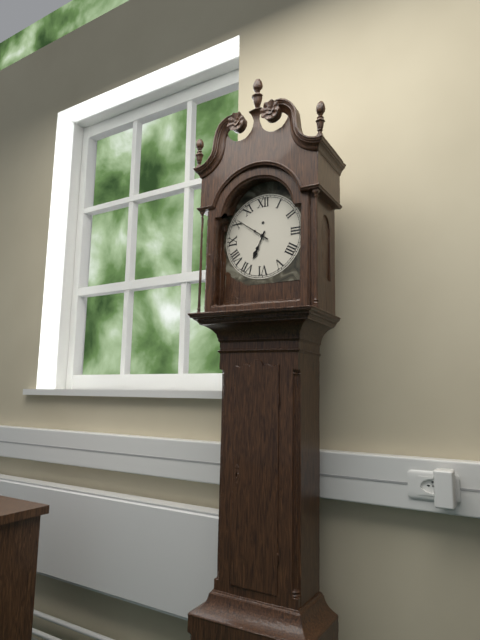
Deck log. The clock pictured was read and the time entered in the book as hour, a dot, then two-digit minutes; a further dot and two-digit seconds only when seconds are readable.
6.51
